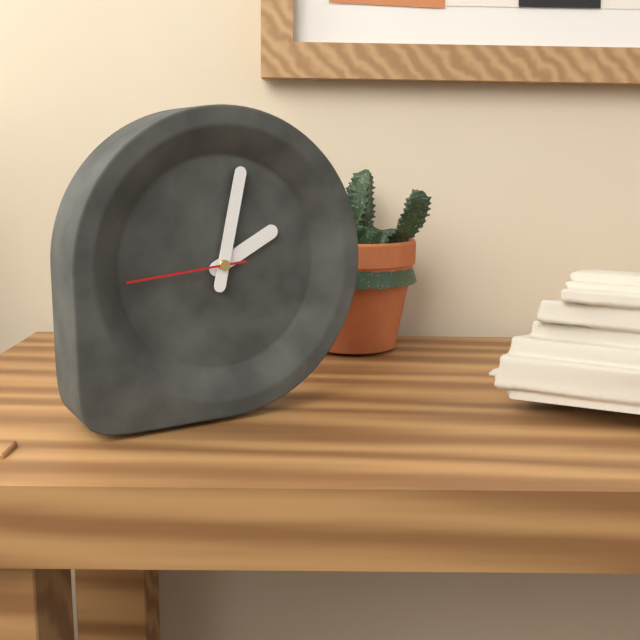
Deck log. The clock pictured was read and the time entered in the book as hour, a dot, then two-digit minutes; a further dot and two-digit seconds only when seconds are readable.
2.02.44
